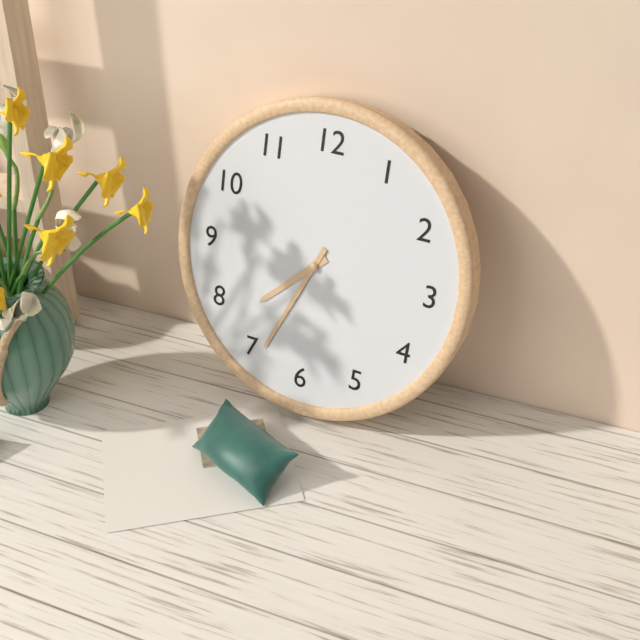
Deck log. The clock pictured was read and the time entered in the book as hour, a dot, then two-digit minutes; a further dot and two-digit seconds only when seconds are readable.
7.34
